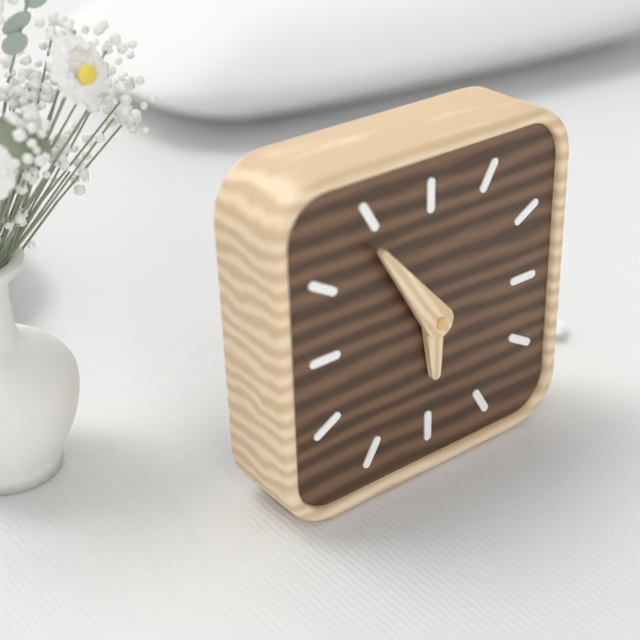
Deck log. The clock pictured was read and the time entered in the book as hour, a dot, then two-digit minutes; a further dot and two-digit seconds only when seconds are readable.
5.54
